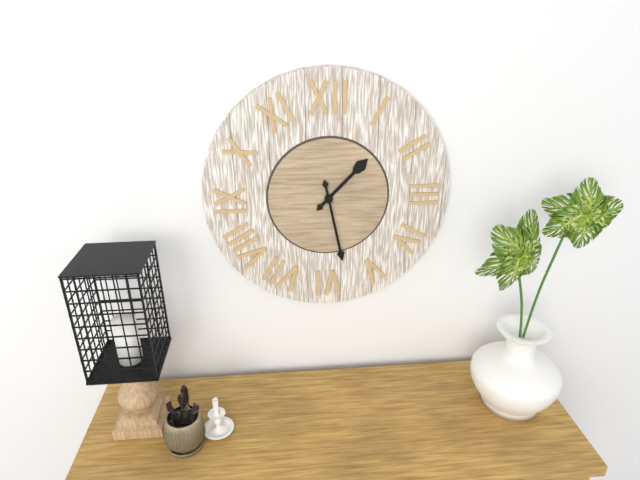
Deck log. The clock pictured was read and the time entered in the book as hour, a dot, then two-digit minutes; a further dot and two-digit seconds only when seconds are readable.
1.28
